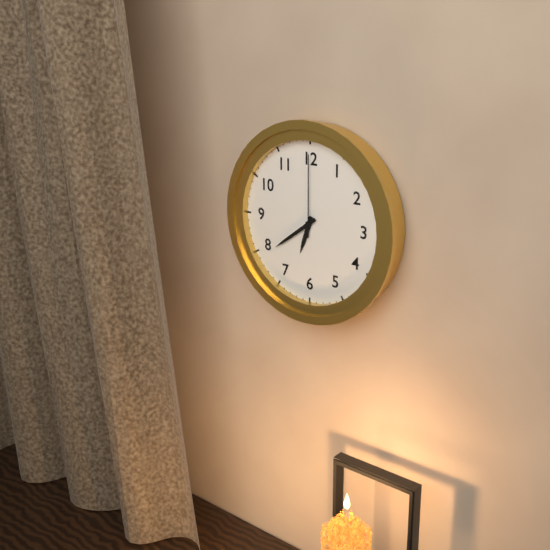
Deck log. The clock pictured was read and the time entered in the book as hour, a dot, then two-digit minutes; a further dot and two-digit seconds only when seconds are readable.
6.39.00
